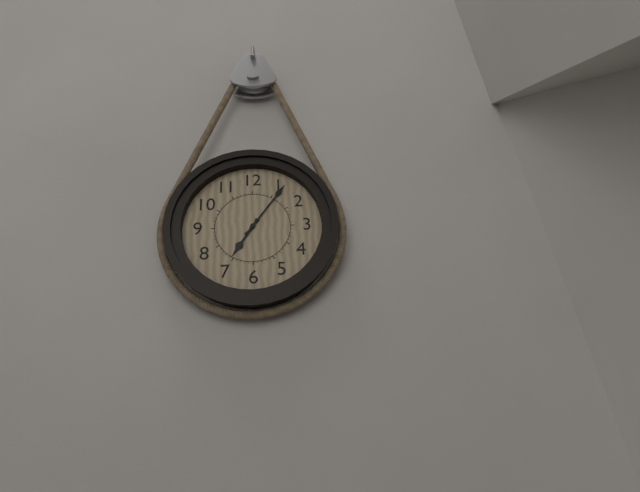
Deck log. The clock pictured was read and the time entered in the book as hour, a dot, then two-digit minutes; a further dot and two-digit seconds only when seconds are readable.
7.06
